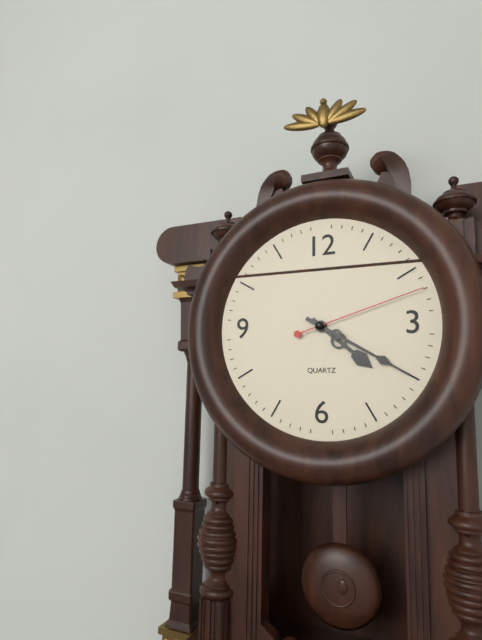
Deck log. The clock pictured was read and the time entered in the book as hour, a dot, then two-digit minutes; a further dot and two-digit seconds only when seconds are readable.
4.20.12
